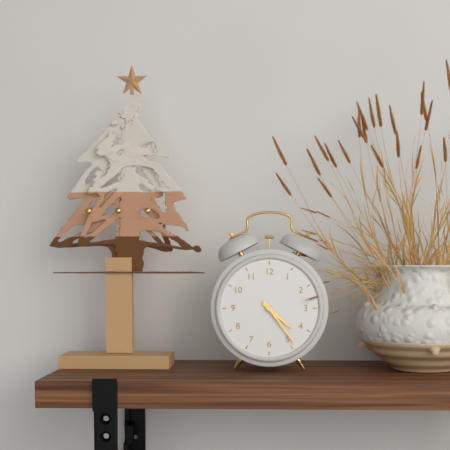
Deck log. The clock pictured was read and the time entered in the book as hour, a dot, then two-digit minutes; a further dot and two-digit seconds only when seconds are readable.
4.24
